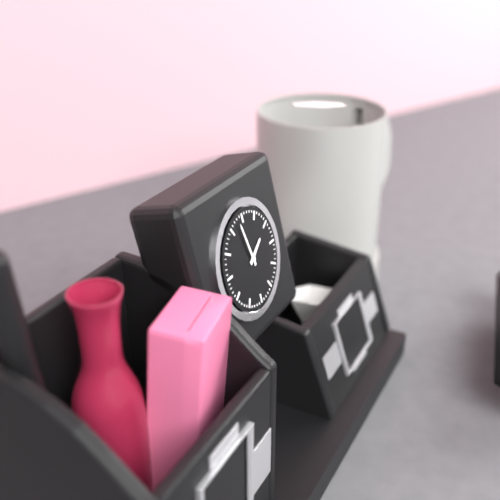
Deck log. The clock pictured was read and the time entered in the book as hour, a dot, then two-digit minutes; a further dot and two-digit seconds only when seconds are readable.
1.58
